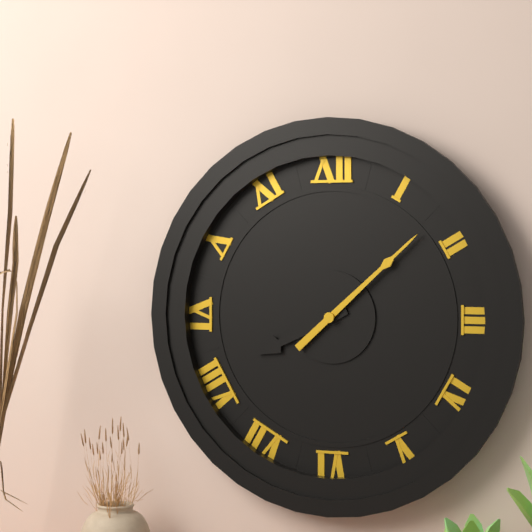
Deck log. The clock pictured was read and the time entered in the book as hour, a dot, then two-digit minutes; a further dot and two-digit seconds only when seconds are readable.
8.08
